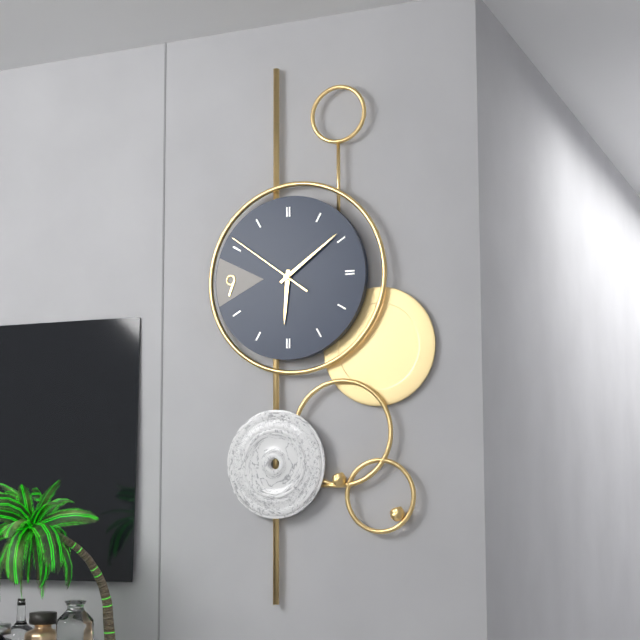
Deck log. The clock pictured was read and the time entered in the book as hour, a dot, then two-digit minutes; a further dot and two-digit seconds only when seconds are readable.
6.09.51
